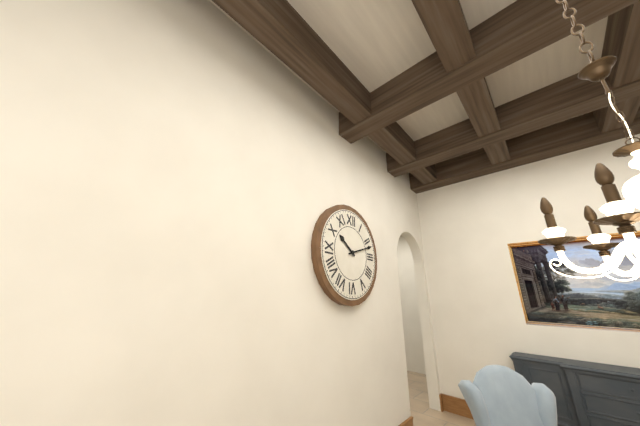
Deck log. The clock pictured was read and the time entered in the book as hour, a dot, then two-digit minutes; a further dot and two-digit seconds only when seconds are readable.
10.12
